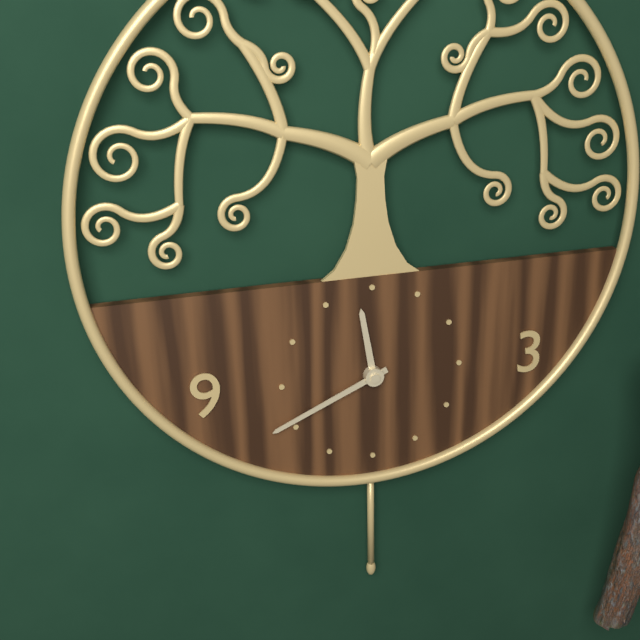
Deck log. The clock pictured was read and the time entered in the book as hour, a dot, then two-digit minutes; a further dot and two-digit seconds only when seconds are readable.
11.41
